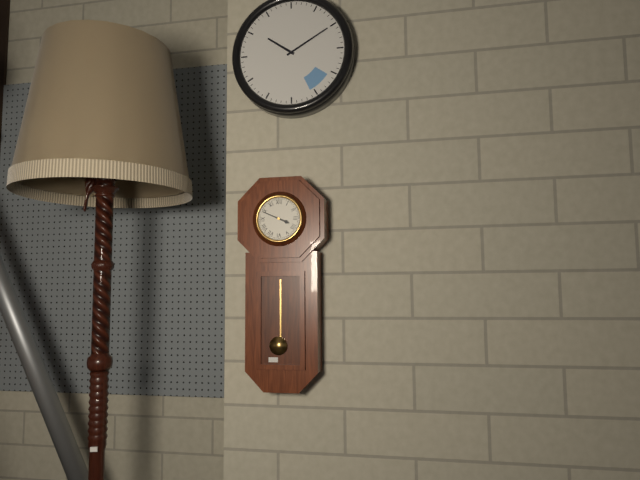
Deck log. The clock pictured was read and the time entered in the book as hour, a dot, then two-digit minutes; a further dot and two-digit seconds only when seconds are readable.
3.49
